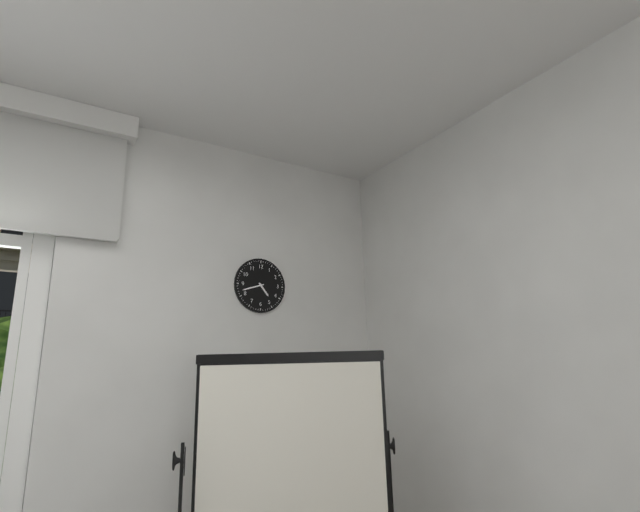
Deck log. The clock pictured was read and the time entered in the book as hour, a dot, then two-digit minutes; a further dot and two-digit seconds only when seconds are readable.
4.42
